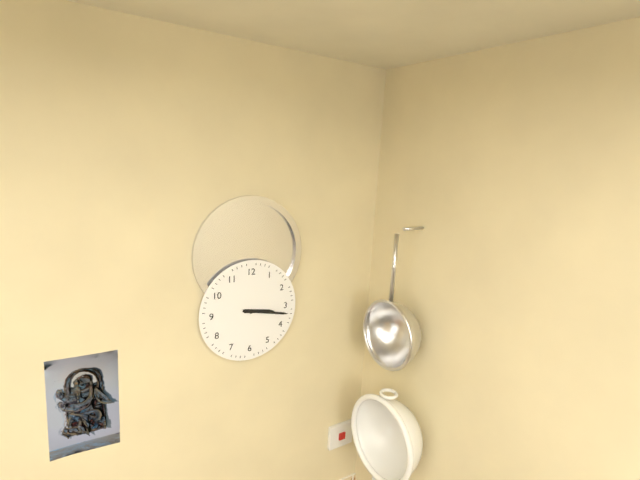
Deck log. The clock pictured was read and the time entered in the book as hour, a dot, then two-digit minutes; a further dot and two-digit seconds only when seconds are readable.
3.17
